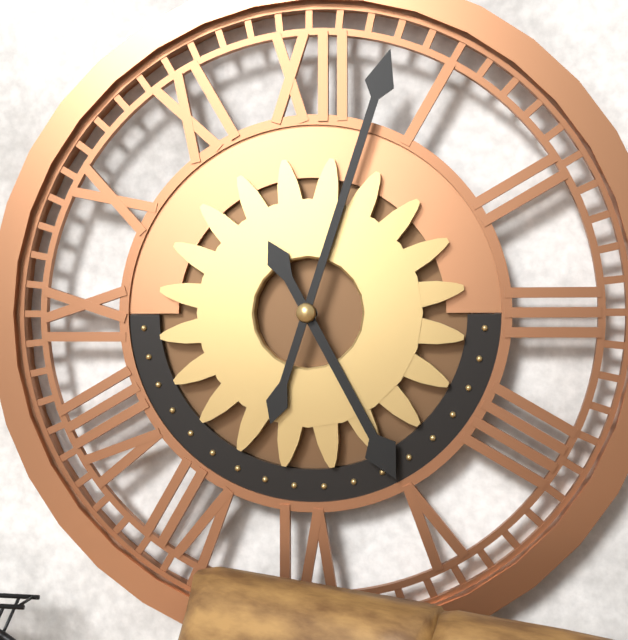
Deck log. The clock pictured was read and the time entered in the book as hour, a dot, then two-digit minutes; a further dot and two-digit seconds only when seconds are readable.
5.03
